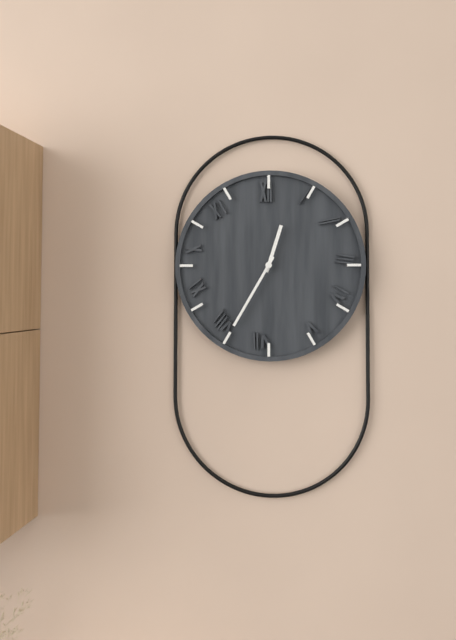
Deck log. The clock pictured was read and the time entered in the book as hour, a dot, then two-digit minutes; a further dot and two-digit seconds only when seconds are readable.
12.35
